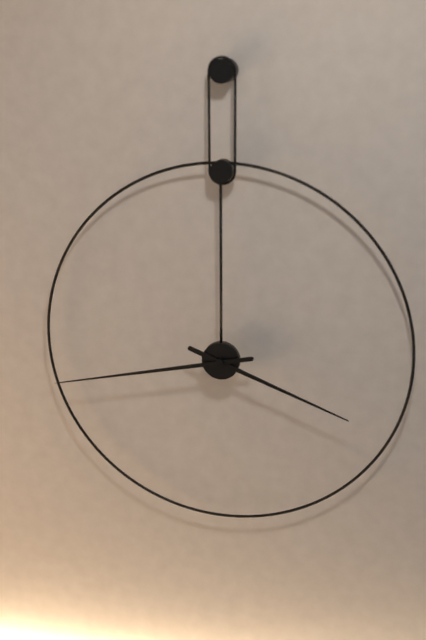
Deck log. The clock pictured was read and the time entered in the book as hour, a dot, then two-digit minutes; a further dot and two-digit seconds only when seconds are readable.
3.43
